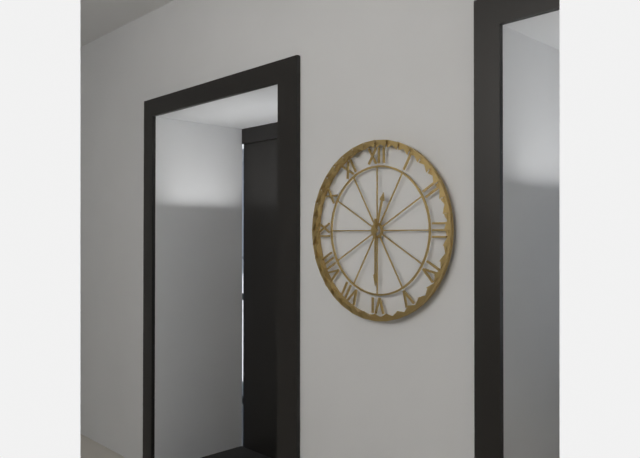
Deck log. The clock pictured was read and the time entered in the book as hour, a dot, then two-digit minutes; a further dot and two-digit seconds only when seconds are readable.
12.30
